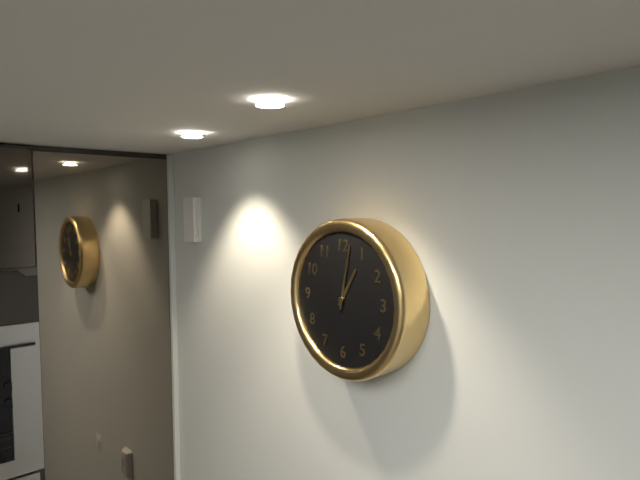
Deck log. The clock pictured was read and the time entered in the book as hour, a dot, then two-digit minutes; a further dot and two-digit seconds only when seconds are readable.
1.02
